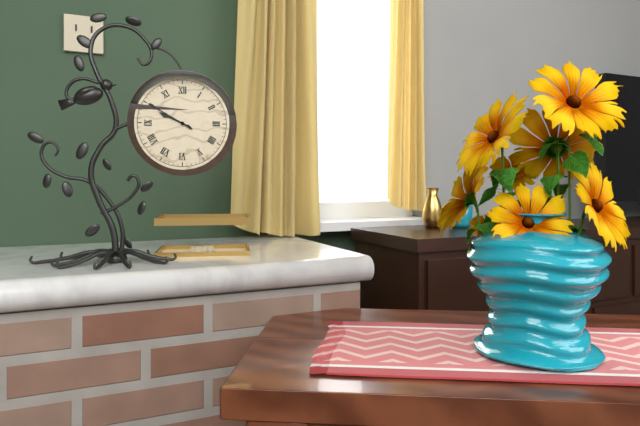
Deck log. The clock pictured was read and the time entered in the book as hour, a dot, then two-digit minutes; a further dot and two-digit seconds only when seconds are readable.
9.50
